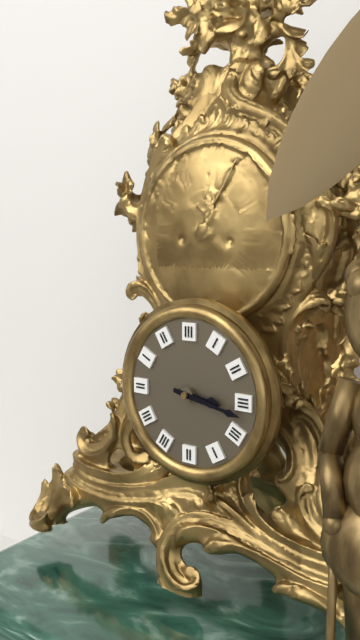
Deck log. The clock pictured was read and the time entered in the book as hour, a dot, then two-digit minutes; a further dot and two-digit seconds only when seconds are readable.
3.17
